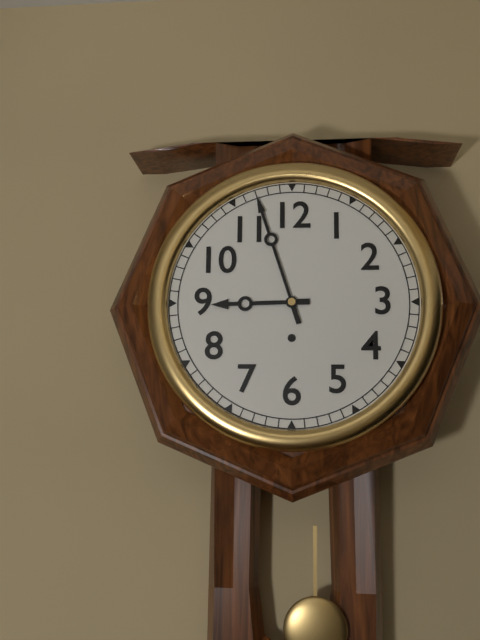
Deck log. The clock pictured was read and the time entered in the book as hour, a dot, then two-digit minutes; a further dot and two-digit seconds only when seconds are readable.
8.57
